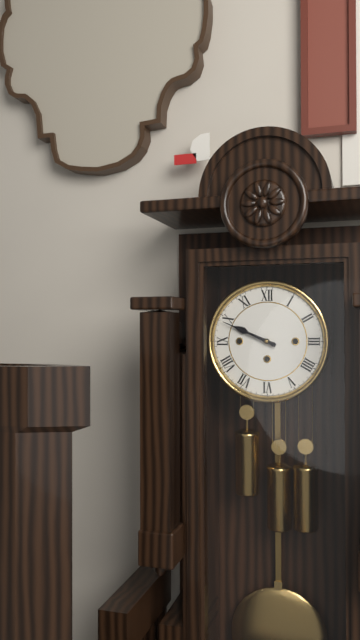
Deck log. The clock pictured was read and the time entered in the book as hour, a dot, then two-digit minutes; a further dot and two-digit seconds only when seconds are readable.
9.49
